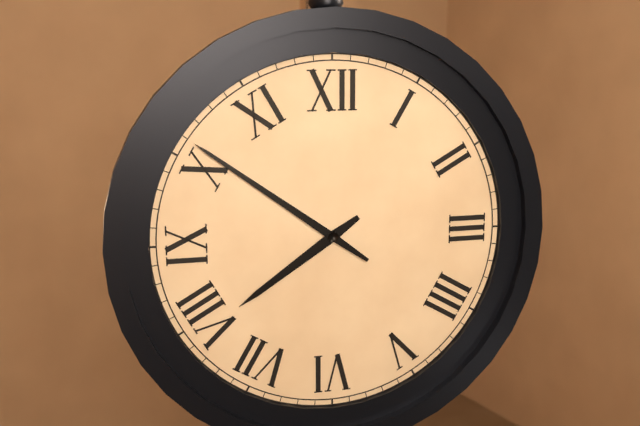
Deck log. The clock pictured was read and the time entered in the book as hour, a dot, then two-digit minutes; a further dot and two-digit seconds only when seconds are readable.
7.51
